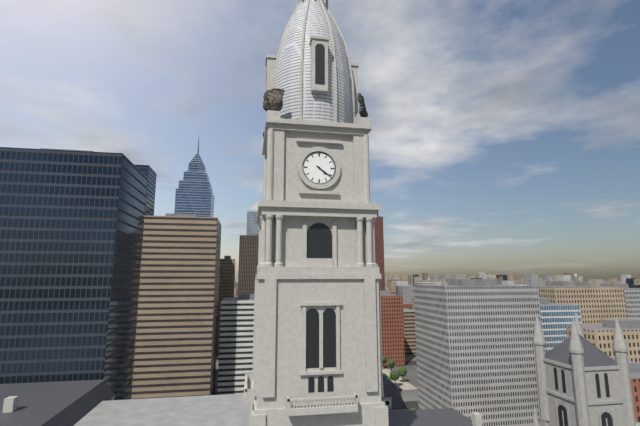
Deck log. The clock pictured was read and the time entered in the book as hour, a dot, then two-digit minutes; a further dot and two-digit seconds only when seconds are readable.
4.21
